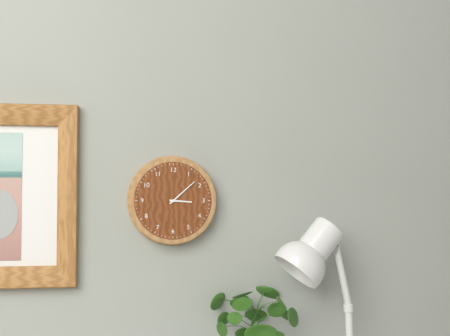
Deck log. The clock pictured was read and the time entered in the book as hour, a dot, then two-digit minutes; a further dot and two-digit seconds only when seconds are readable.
3.08
